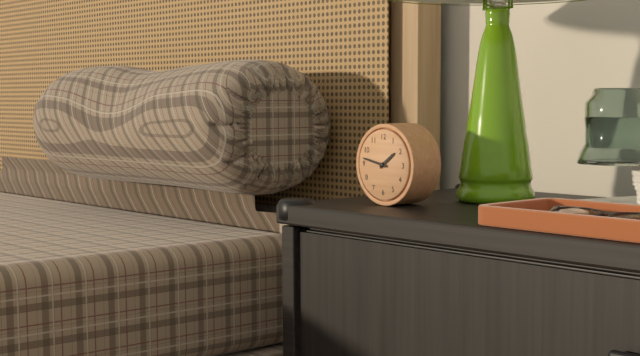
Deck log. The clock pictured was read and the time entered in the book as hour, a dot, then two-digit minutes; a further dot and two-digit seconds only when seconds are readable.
1.47
